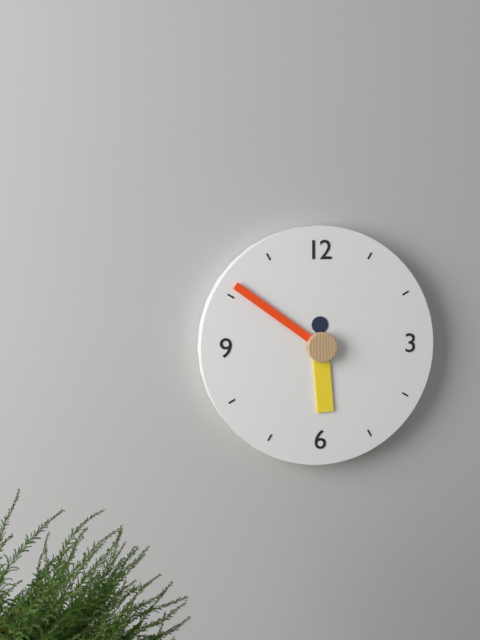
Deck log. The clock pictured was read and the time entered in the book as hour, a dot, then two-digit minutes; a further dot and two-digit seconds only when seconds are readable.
5.51
